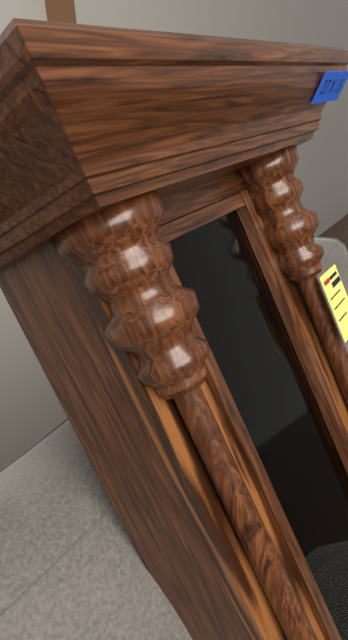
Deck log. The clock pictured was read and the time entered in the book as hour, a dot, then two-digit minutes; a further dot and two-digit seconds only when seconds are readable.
8.45
